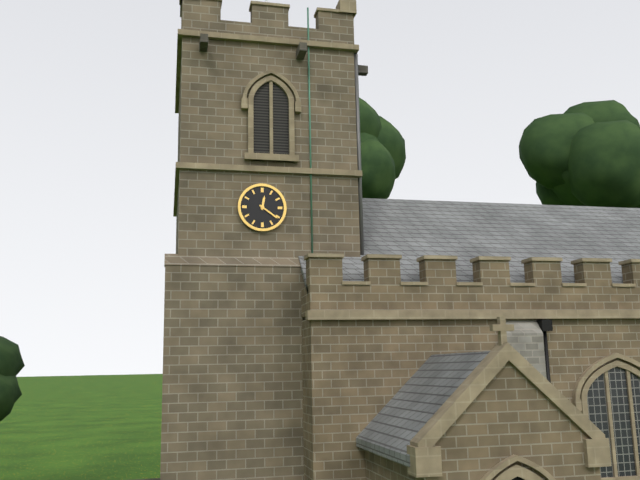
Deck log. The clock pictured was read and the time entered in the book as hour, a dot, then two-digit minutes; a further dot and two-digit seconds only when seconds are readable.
12.21
